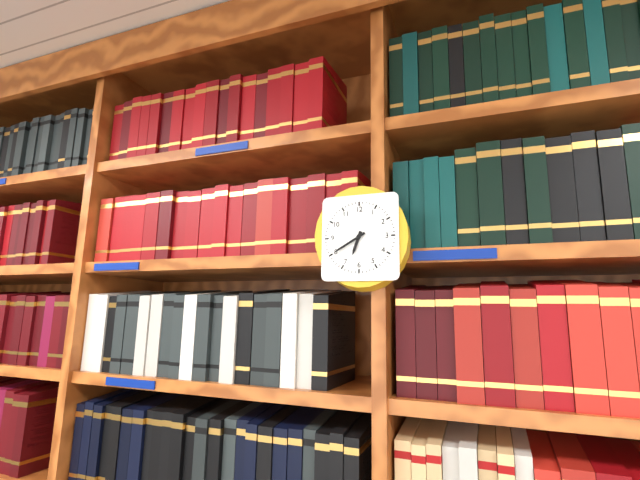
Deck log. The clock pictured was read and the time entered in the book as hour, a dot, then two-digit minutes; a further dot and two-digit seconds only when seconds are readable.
6.40
